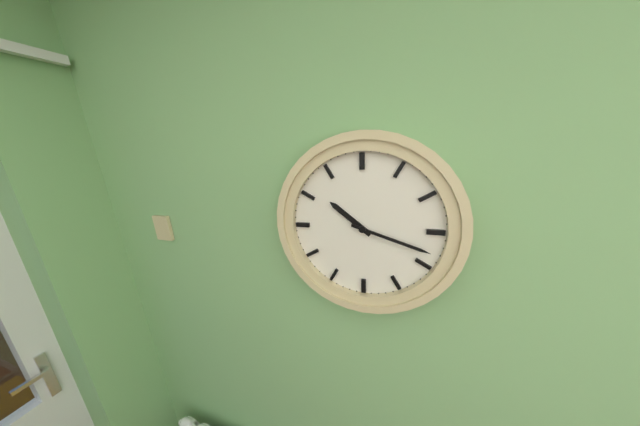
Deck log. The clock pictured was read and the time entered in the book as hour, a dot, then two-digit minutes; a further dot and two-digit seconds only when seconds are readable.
10.18
